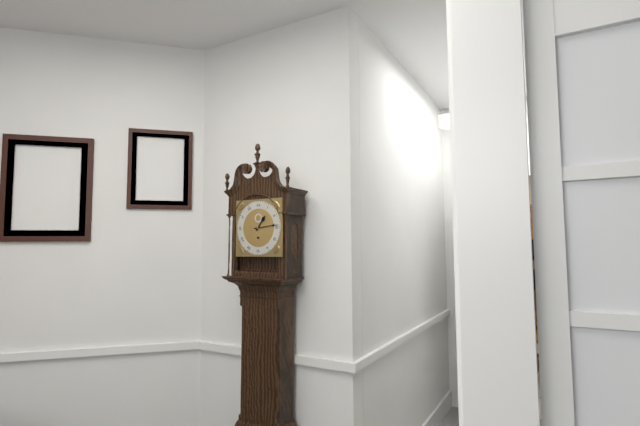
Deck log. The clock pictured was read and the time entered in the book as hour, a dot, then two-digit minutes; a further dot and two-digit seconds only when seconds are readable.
1.14
